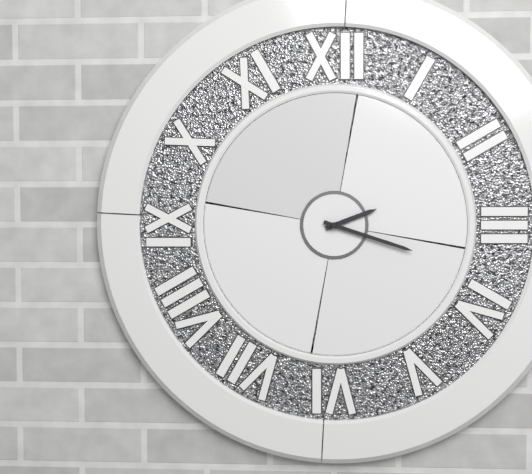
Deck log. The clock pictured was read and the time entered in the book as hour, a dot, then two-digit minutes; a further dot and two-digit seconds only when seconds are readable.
2.18
